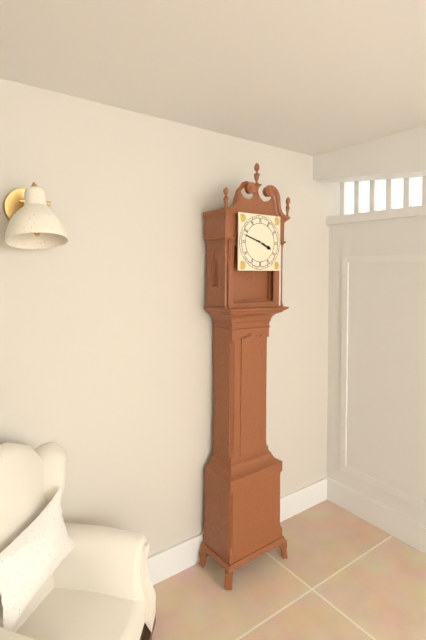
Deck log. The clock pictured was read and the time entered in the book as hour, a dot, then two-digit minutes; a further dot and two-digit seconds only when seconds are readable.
3.48
